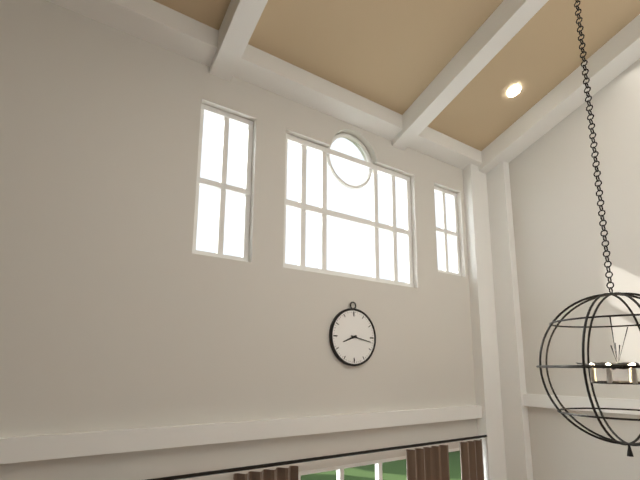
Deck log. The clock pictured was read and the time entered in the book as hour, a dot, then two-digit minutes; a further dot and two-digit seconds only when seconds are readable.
8.17
